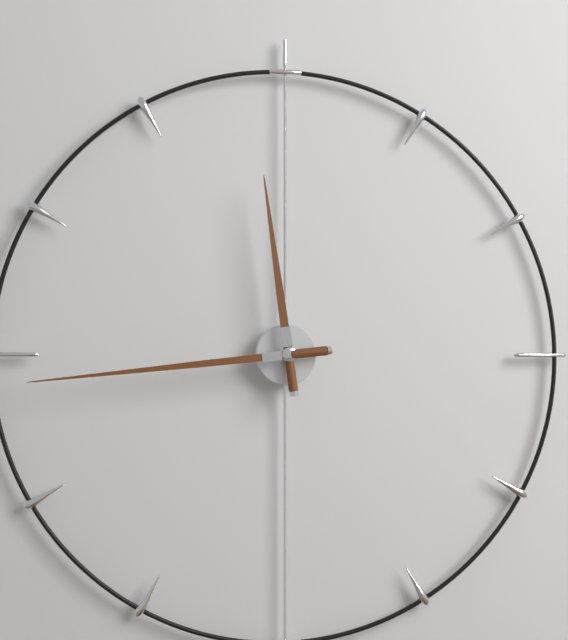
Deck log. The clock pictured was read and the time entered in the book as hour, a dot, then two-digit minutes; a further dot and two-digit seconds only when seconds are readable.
11.44
